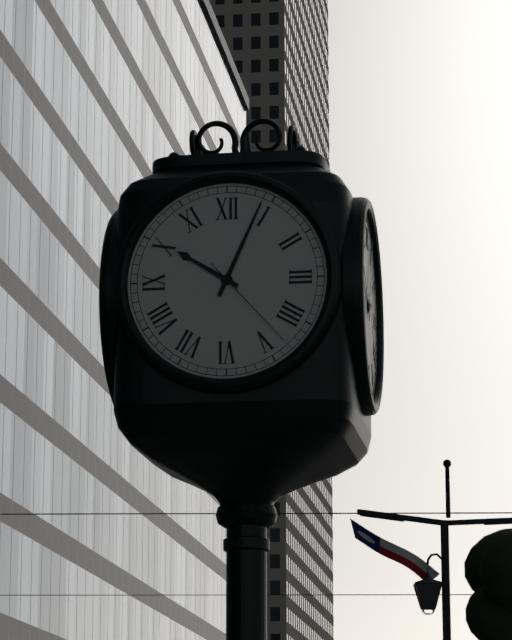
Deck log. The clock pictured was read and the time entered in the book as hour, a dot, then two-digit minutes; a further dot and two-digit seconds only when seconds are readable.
10.04.23
